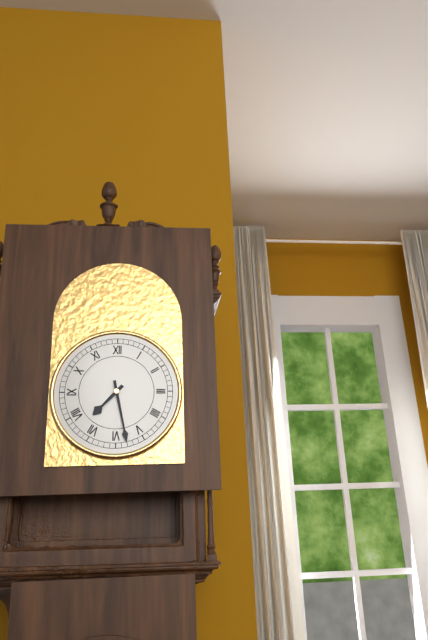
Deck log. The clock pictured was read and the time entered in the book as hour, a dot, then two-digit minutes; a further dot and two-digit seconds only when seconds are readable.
7.28
